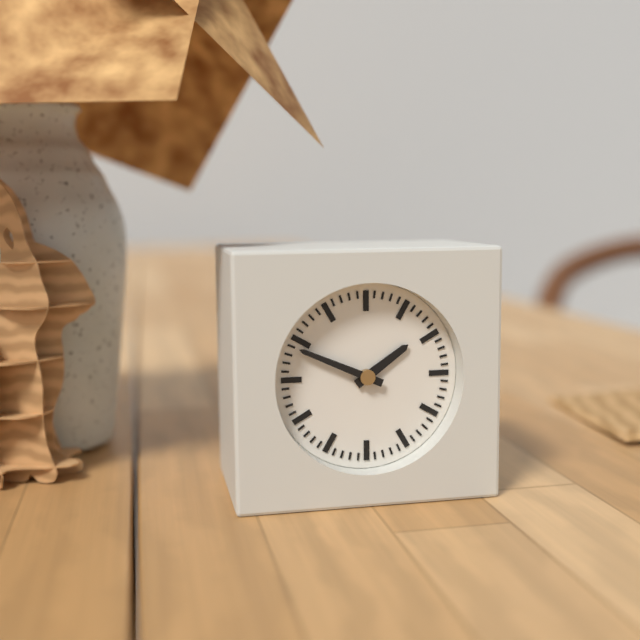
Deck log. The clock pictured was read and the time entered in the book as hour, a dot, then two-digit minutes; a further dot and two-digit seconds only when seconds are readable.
1.49
